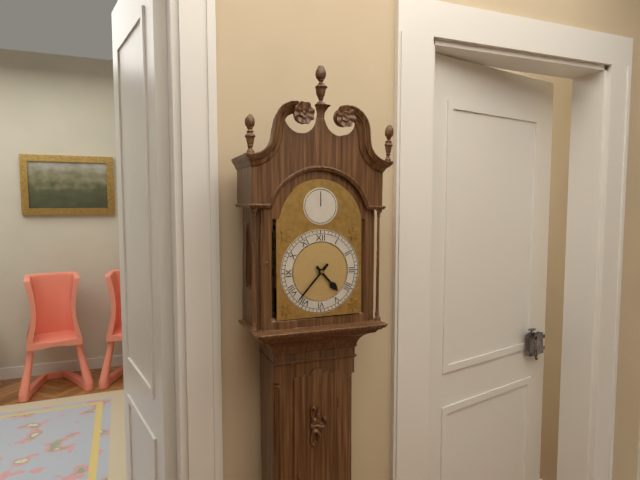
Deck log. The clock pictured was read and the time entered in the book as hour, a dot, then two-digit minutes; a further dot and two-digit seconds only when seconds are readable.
4.37
